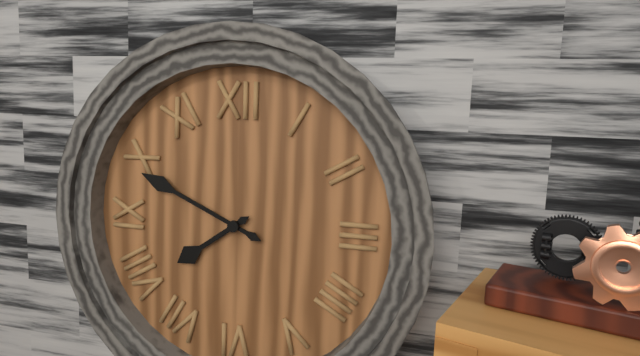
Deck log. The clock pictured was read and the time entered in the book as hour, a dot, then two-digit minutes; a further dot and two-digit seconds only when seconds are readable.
7.49
